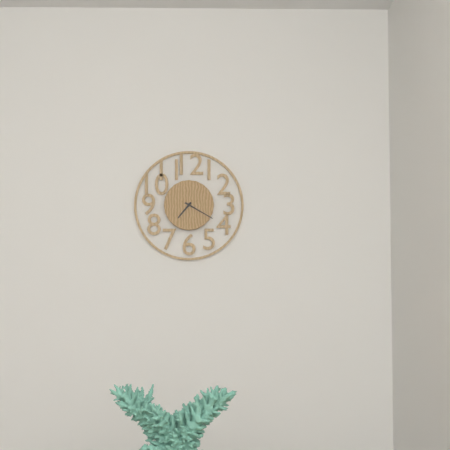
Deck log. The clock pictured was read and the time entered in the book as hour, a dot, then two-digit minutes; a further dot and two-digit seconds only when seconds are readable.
7.20
